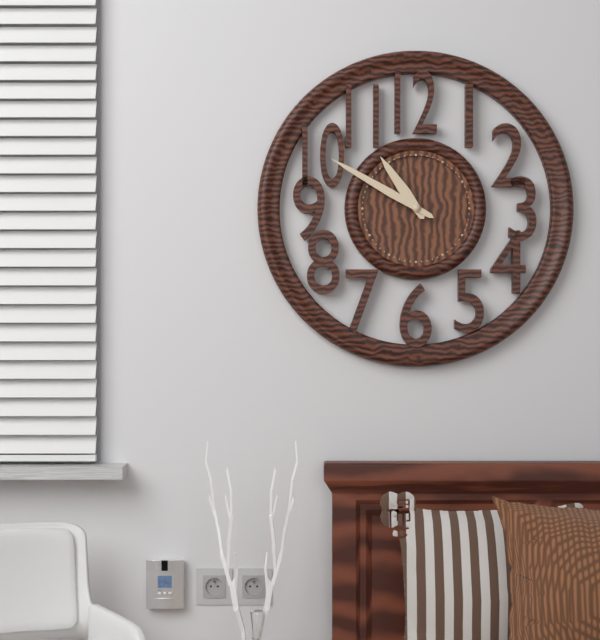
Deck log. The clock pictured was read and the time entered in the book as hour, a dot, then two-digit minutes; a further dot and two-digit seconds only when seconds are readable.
10.50
